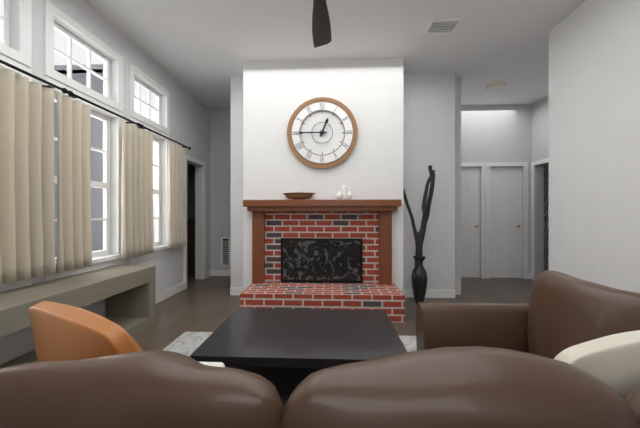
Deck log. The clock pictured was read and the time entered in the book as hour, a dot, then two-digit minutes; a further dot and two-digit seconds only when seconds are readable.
12.45
